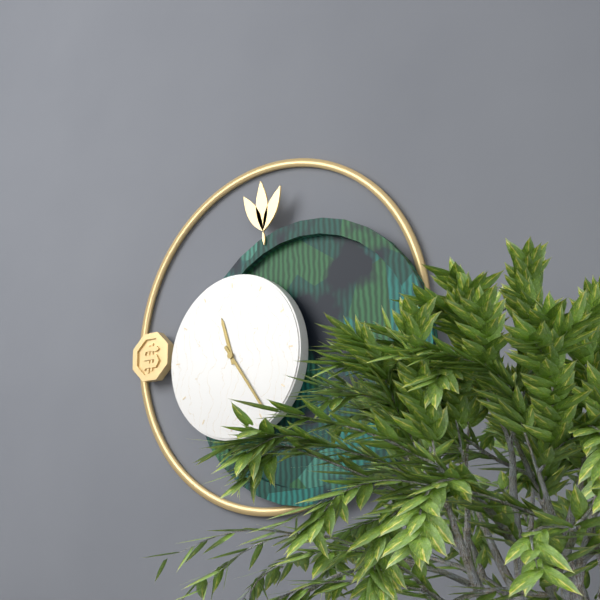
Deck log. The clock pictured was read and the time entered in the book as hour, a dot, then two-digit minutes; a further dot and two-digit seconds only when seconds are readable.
11.24
